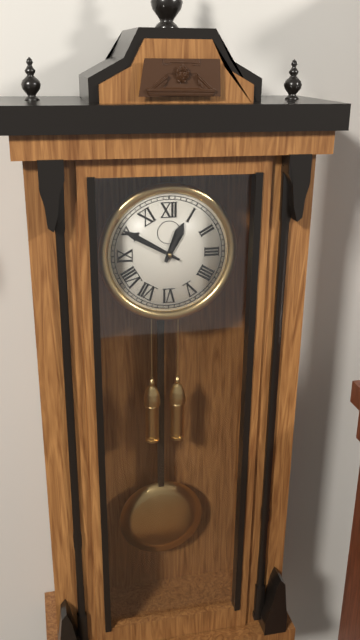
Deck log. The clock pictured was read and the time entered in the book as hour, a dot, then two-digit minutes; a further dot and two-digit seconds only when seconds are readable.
12.50
